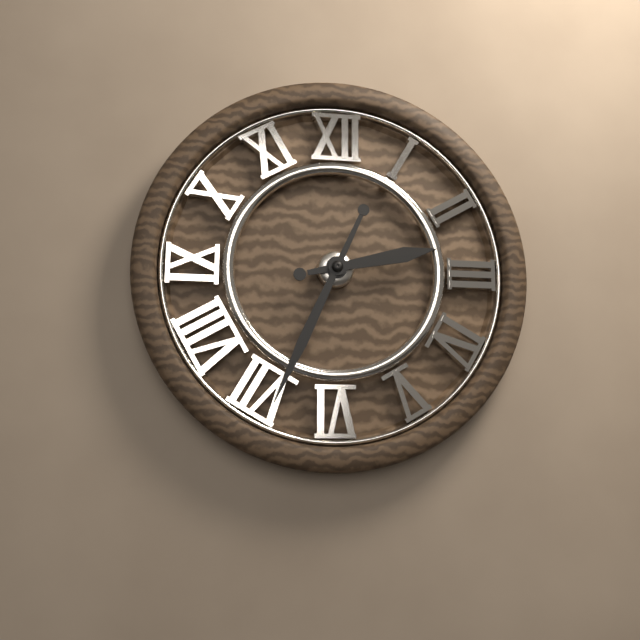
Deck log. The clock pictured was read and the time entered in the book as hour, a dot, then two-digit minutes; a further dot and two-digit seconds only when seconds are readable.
2.34
